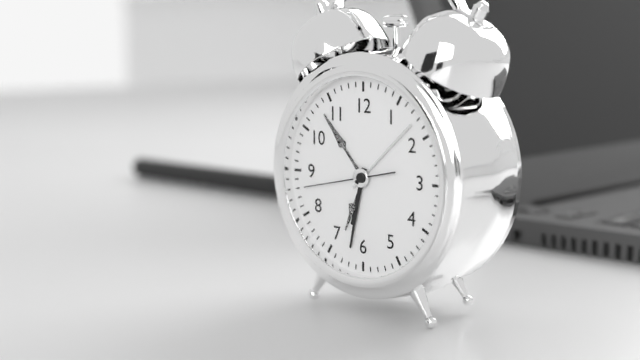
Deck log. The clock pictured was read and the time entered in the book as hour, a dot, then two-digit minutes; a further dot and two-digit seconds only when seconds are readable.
6.32.43
